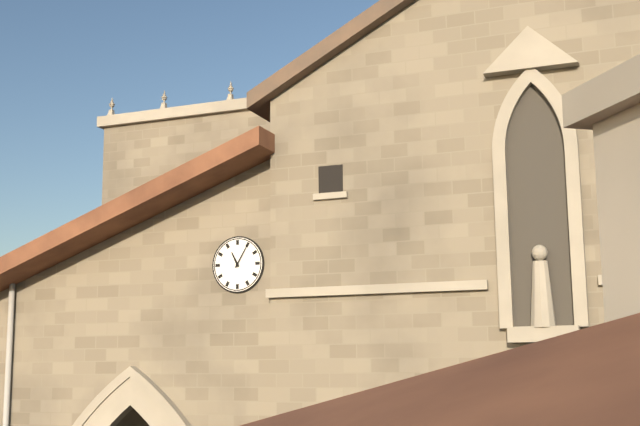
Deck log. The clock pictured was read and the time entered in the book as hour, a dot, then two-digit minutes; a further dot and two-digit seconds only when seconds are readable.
11.05
